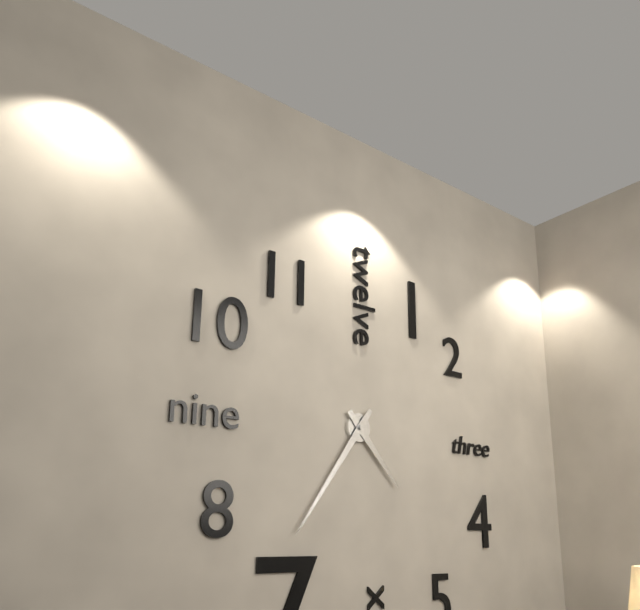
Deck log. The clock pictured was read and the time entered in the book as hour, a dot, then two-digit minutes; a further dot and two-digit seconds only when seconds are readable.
4.36
